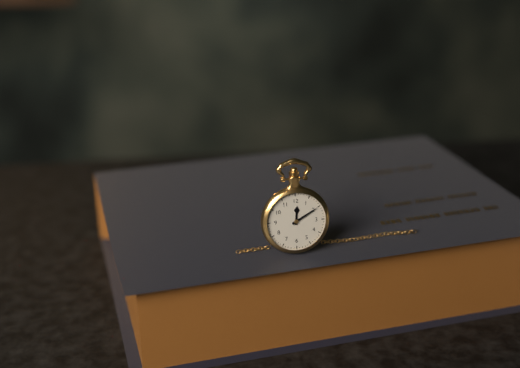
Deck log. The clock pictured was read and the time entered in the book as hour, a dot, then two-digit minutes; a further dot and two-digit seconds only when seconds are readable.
12.10
